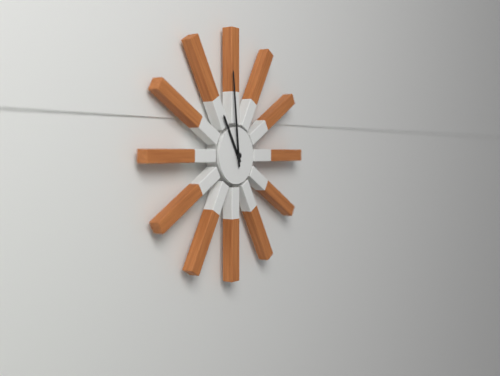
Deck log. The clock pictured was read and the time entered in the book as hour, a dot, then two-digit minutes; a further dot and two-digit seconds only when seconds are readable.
10.59
